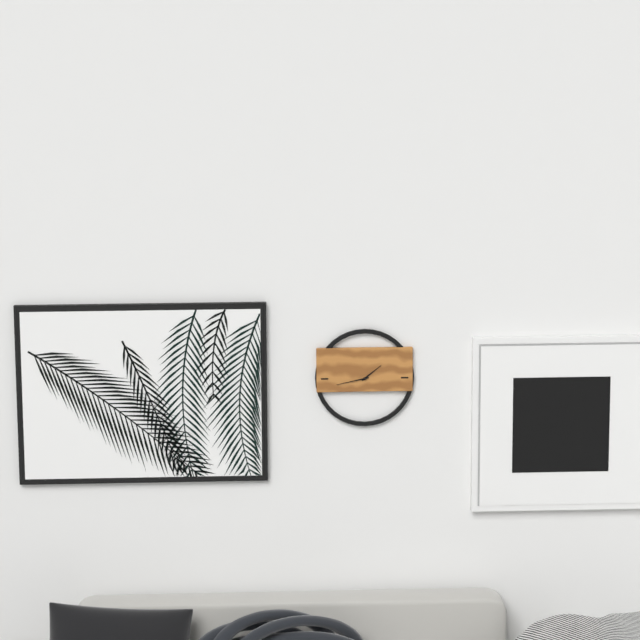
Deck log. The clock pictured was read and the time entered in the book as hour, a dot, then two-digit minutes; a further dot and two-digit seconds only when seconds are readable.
1.43
